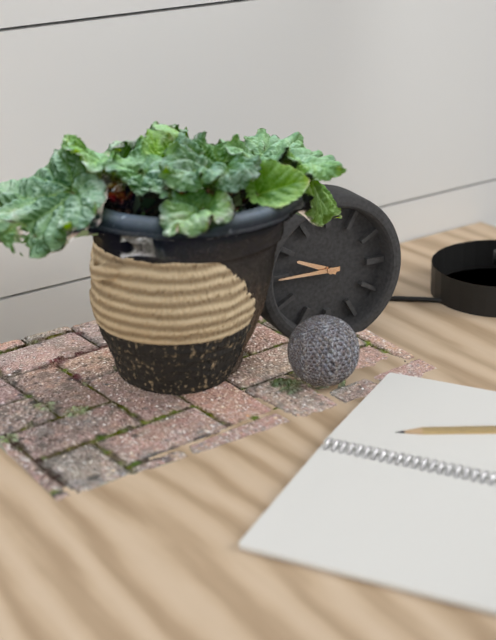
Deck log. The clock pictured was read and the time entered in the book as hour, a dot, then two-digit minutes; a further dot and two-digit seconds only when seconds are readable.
9.45
